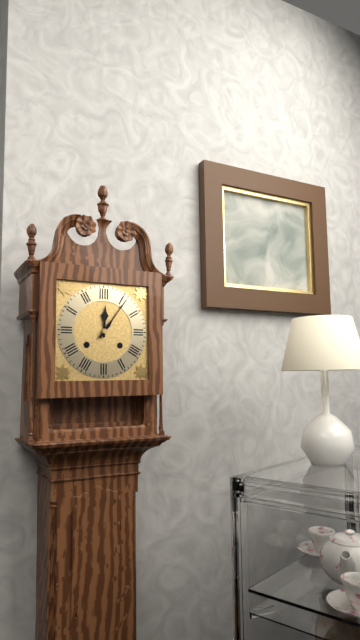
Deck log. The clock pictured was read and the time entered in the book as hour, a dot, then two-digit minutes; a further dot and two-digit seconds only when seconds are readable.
12.06
